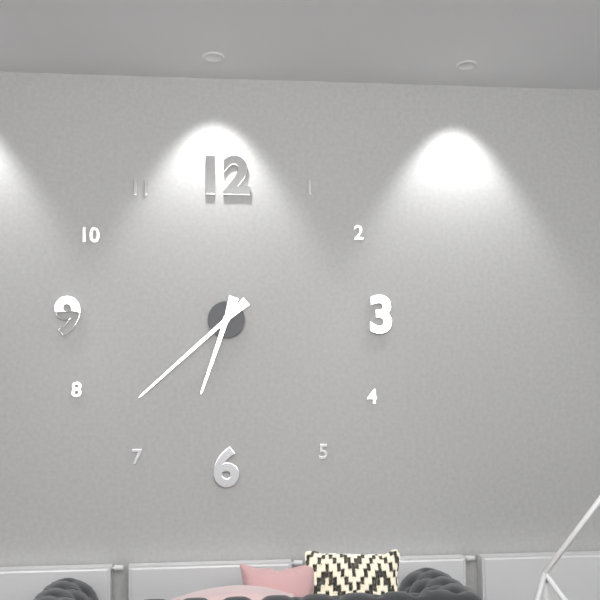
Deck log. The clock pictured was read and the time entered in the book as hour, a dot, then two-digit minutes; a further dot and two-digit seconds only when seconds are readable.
6.38
